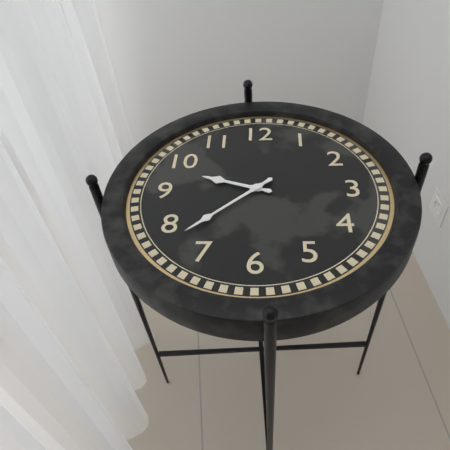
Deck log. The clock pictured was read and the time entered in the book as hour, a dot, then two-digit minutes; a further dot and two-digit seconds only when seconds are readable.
9.38
